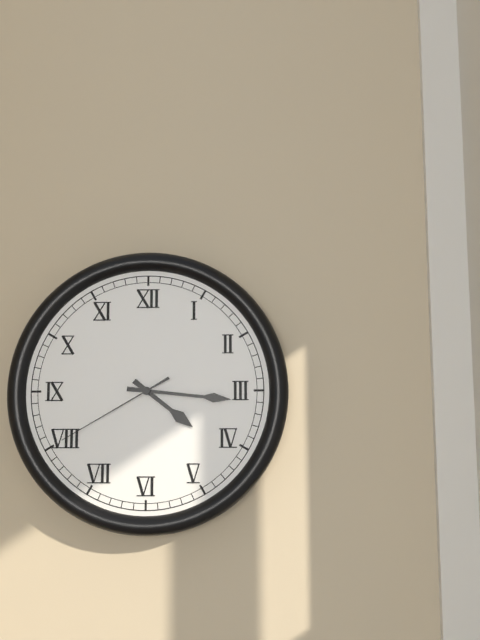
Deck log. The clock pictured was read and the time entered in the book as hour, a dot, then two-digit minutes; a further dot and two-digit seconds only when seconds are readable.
4.16.40
